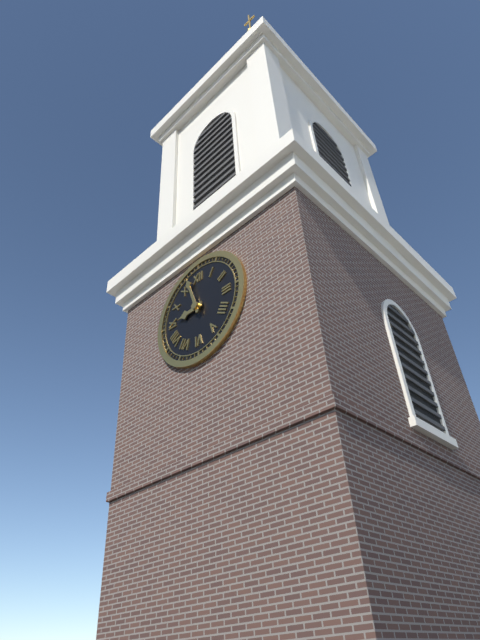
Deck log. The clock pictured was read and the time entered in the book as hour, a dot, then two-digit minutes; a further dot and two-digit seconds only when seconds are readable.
8.57
